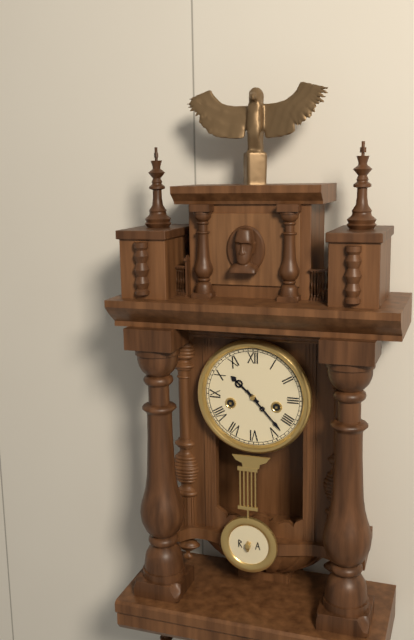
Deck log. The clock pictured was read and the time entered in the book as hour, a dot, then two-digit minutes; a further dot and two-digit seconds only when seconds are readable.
10.23
